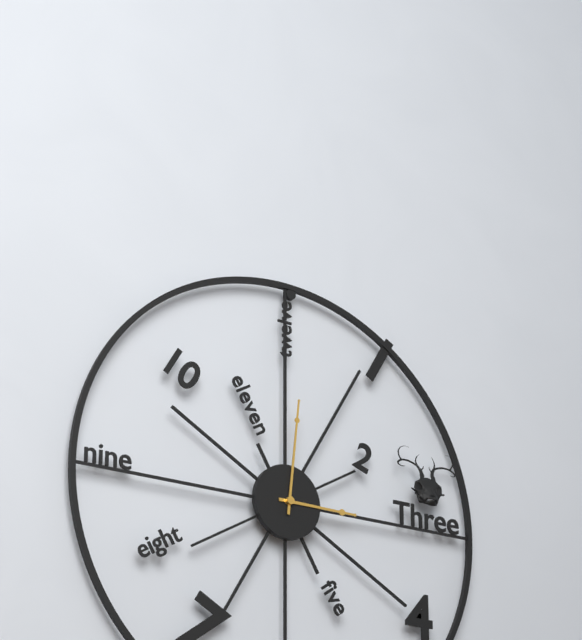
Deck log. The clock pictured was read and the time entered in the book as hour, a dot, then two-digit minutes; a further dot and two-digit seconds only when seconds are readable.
3.01
